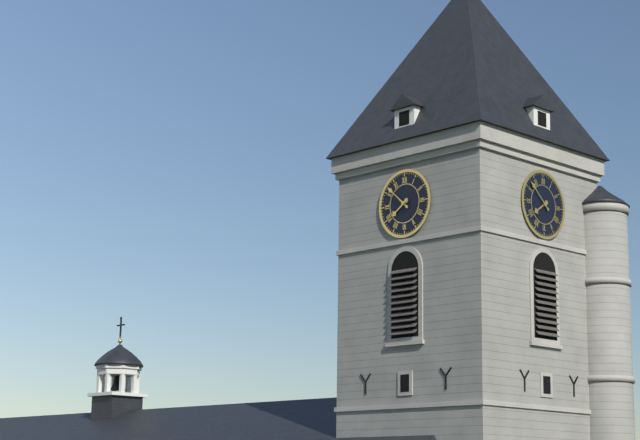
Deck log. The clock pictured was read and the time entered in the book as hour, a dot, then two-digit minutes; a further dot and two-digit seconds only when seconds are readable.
7.52
